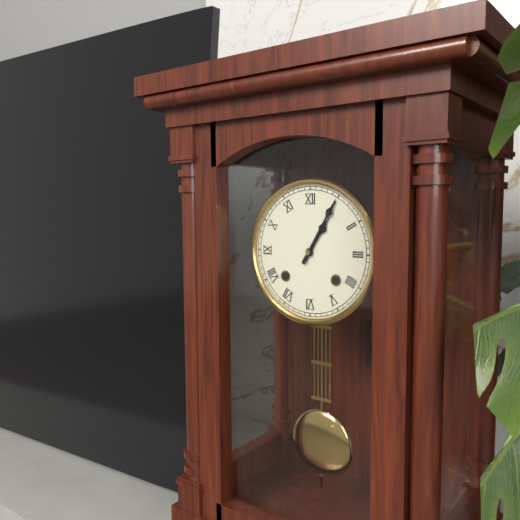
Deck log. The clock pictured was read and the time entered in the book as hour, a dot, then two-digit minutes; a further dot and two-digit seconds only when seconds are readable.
1.05
